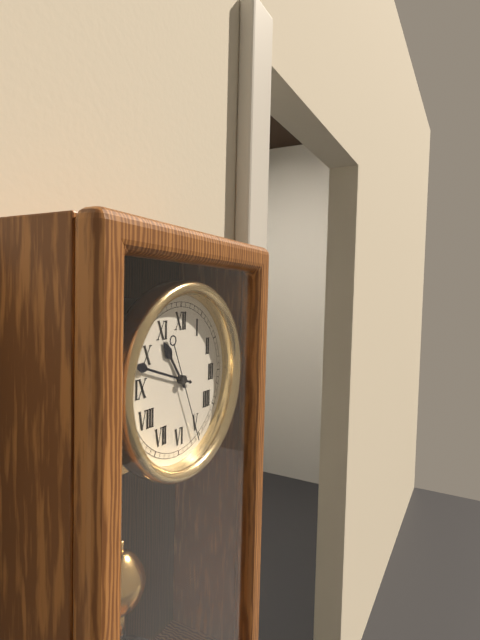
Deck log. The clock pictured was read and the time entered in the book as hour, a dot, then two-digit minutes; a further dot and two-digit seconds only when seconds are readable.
10.48.26
